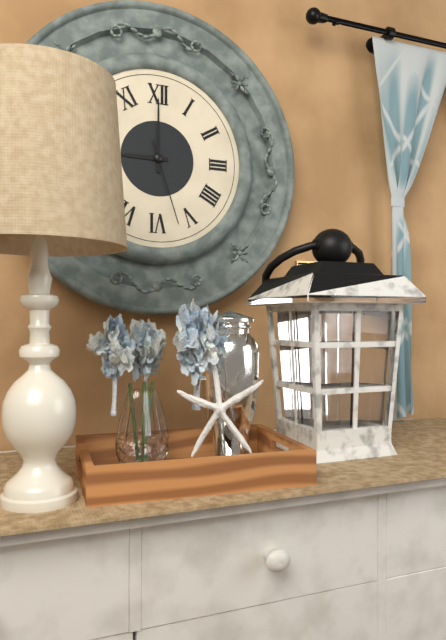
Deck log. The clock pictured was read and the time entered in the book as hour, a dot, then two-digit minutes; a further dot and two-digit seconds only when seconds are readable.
9.00.27
